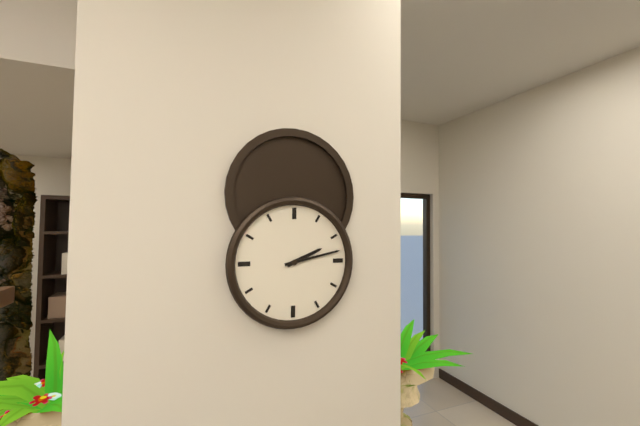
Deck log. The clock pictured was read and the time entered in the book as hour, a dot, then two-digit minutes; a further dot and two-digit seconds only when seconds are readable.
2.13
